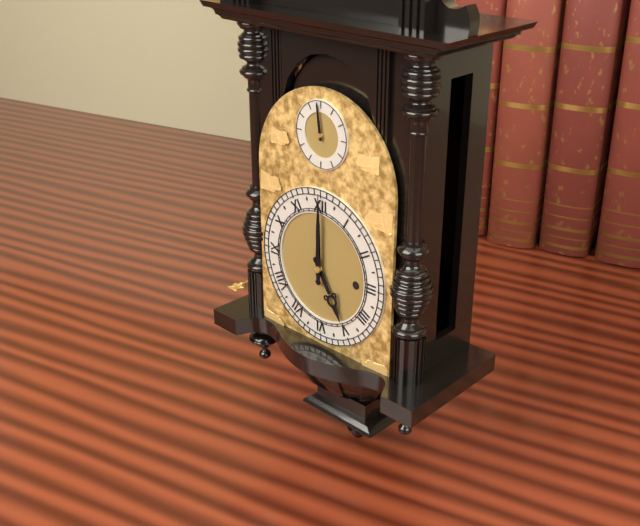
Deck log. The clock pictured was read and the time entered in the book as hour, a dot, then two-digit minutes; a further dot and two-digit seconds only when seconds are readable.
5.00
